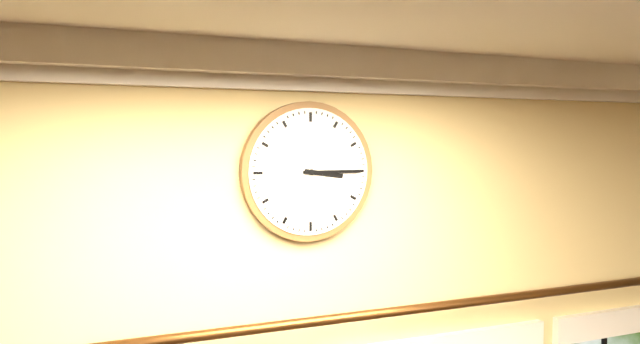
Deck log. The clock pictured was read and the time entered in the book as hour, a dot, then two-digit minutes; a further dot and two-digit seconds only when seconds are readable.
3.15
